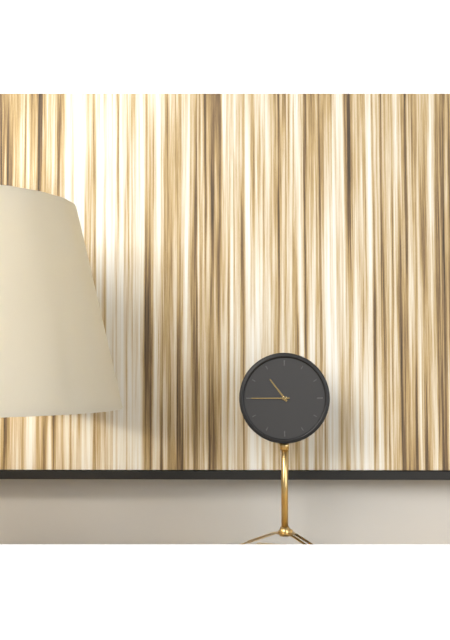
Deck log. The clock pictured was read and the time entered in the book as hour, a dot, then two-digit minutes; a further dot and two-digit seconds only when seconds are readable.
10.45
